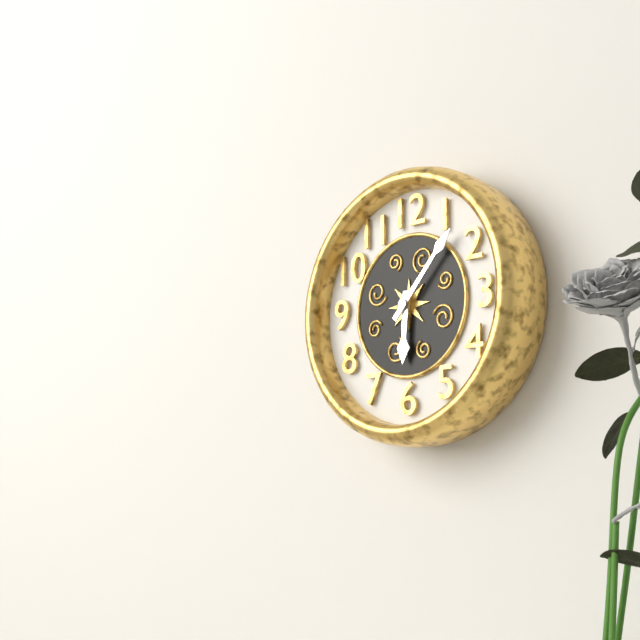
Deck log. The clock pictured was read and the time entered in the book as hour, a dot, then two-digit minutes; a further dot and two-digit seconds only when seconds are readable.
6.07
